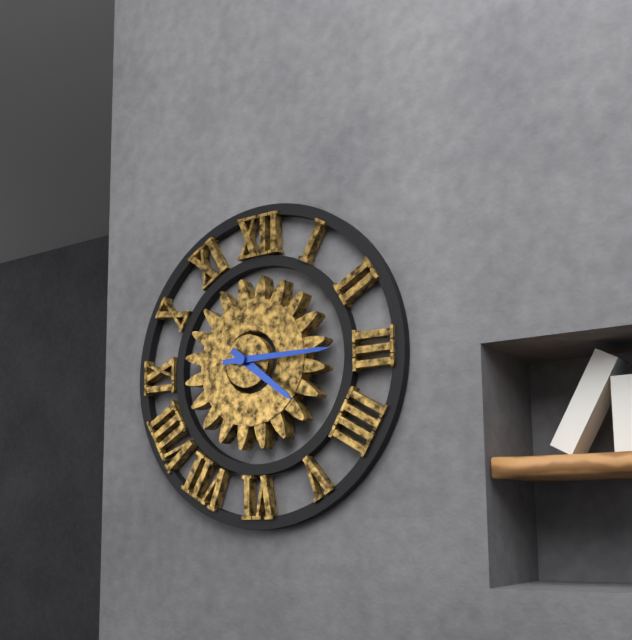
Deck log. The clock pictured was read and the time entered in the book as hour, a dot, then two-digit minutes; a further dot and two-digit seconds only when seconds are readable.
4.15
